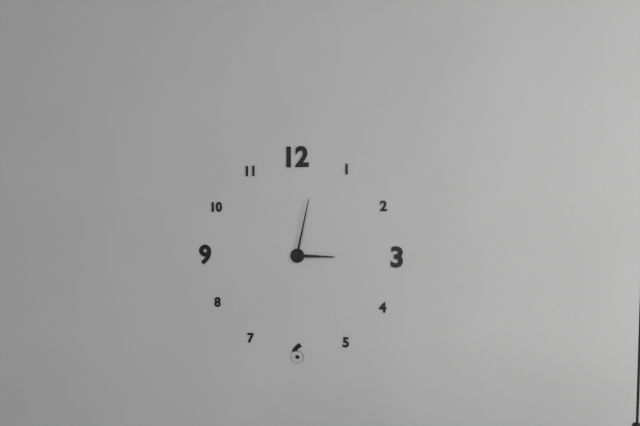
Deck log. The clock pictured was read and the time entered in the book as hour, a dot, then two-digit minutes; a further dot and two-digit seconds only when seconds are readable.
3.02
